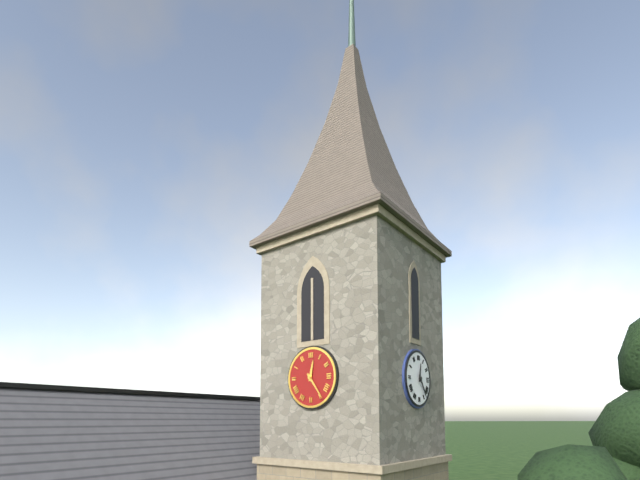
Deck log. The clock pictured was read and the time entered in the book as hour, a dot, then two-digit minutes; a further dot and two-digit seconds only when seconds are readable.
12.24
